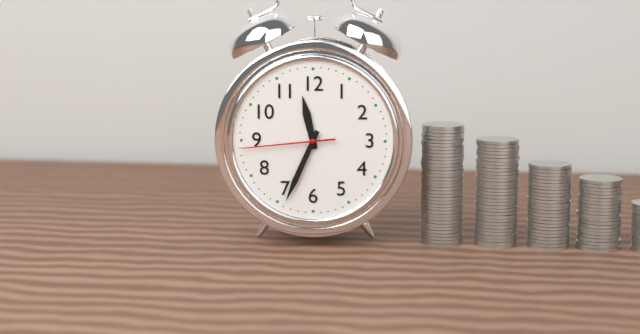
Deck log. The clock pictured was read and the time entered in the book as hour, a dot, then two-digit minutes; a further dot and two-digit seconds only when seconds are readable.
11.34.44
